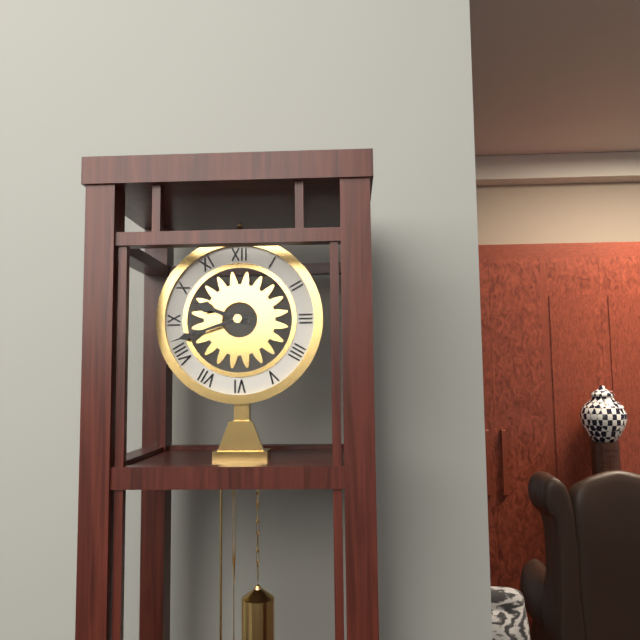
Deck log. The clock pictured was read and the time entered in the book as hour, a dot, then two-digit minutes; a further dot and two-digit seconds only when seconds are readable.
9.42
